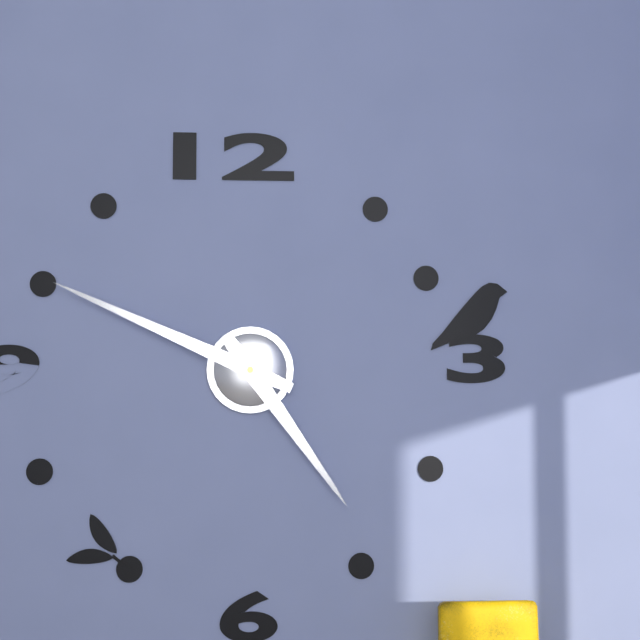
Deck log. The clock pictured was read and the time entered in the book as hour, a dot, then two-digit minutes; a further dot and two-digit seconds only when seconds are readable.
4.49
